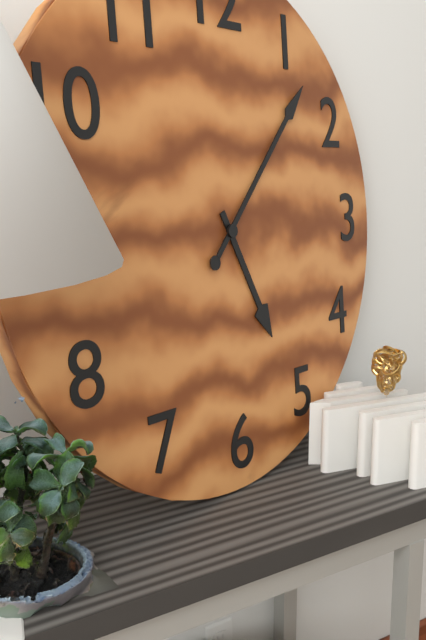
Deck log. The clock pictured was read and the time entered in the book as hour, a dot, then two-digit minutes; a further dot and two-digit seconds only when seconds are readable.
5.07
